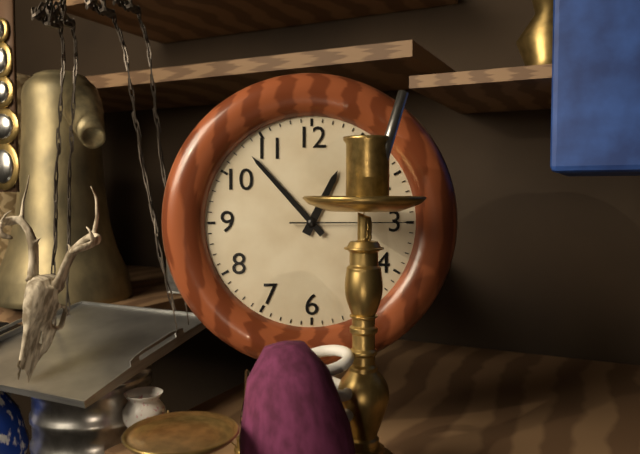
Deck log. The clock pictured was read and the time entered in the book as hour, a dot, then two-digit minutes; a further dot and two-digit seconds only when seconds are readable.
12.53.15
